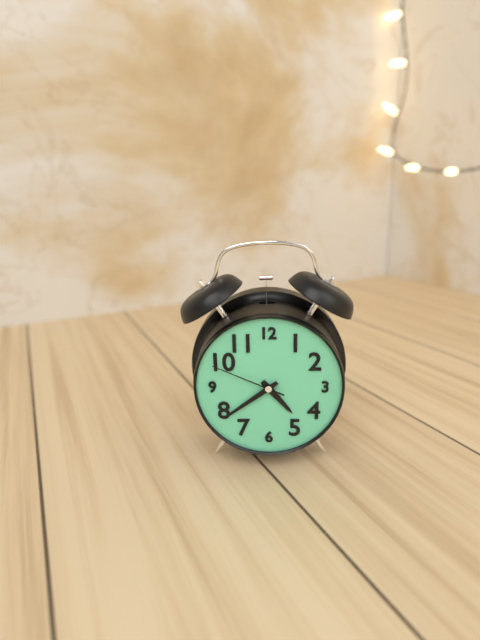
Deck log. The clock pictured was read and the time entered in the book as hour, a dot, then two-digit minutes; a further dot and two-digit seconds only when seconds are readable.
4.39.49
